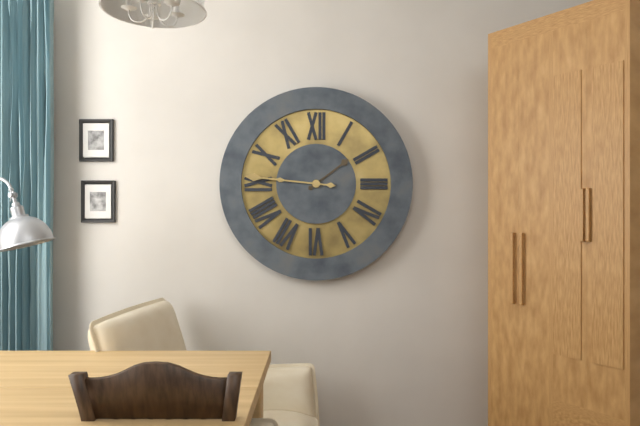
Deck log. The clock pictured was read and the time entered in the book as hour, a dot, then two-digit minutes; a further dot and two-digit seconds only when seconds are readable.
1.46
